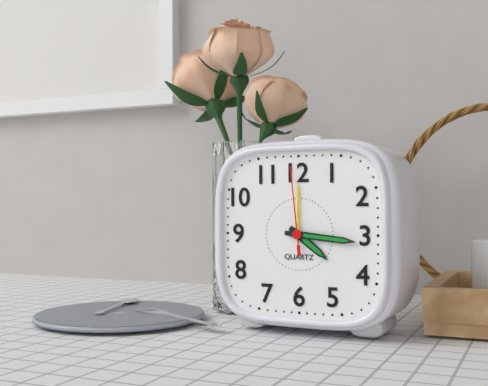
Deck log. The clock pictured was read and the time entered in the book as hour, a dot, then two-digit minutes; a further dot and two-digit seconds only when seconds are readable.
4.16.59
